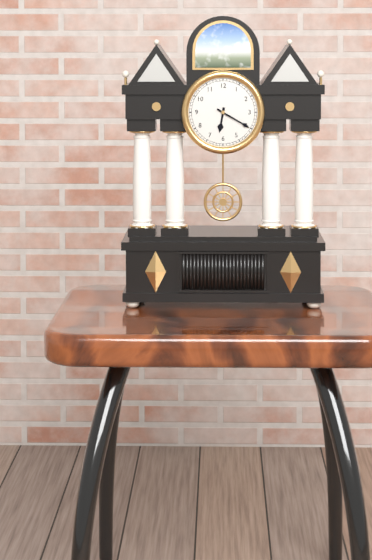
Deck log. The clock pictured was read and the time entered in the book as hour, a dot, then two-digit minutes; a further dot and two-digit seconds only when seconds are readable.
6.20
